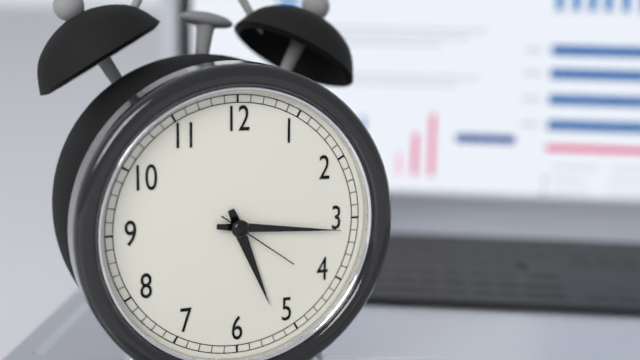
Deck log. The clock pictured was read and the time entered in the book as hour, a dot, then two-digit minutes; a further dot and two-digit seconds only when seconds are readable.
5.16.21
